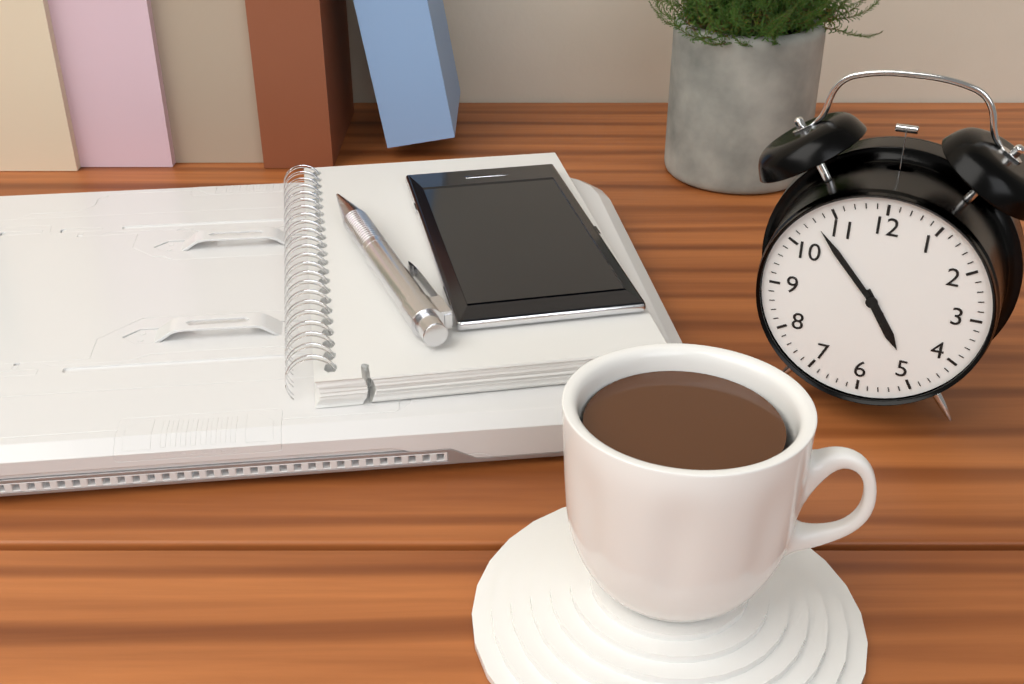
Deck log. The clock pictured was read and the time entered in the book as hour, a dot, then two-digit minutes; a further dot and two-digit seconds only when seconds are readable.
4.53
